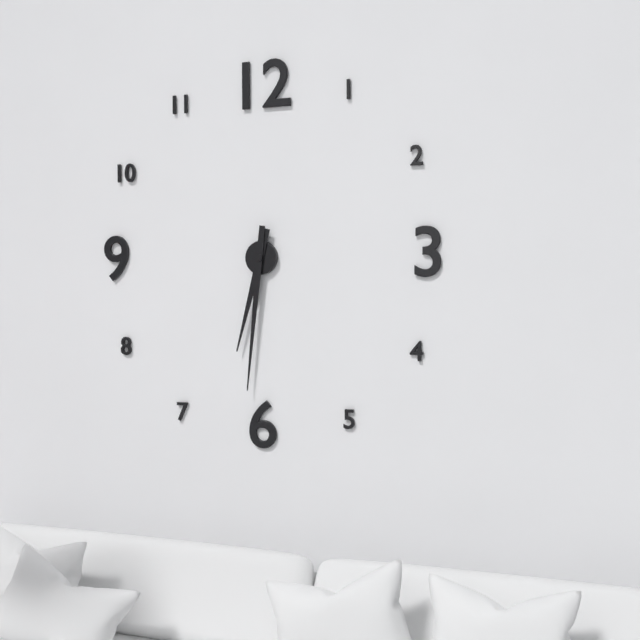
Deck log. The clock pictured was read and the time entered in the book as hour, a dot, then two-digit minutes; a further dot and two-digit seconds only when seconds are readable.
6.31
